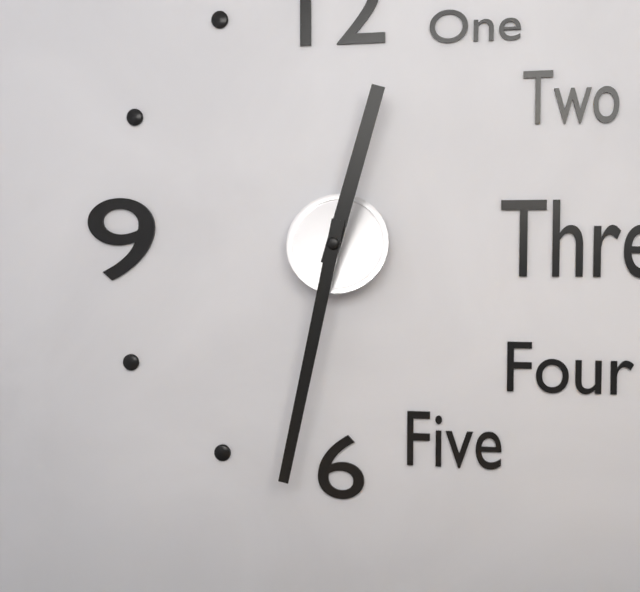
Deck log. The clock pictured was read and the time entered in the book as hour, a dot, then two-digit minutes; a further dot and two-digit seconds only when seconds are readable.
12.32
